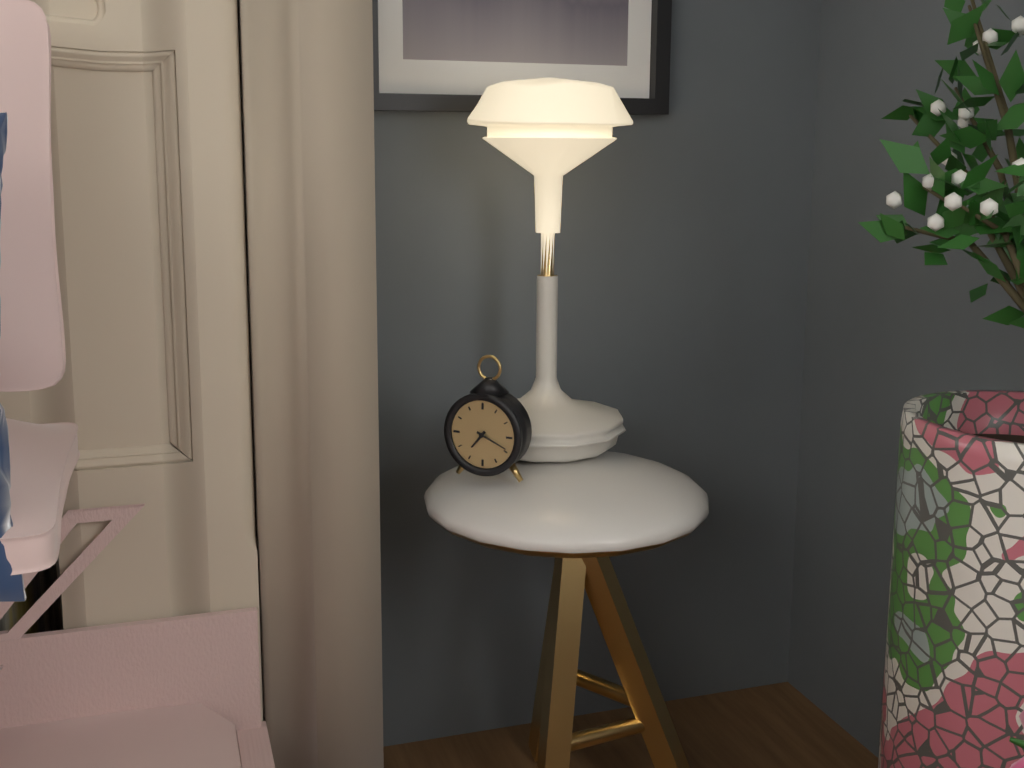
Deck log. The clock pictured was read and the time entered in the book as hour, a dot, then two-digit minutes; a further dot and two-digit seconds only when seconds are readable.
7.19
